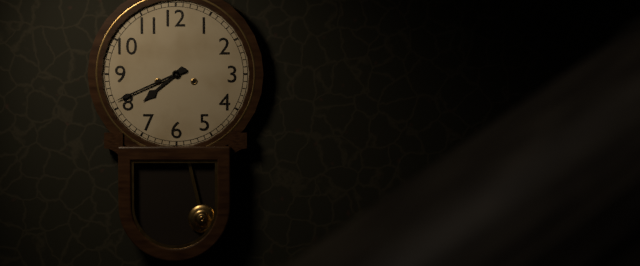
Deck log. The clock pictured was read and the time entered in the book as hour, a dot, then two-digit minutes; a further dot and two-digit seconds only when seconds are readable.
7.41
